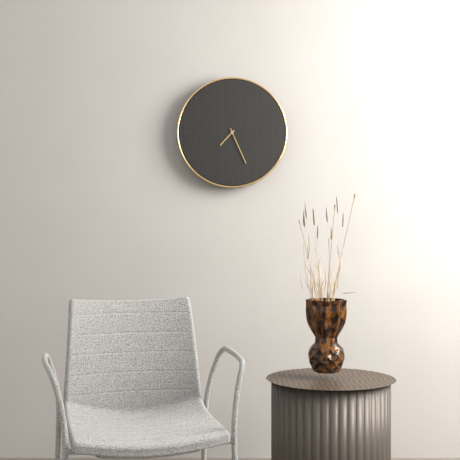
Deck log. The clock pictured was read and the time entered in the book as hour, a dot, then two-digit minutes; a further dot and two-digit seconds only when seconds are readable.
7.26
